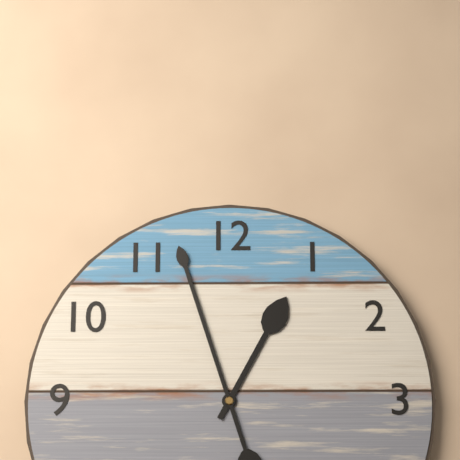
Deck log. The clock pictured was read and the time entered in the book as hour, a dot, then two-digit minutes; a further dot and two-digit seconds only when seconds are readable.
12.57
